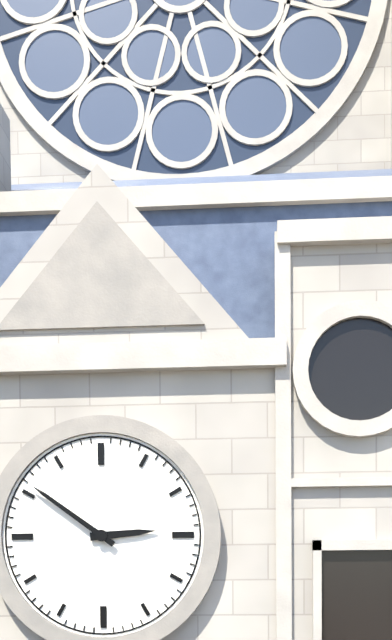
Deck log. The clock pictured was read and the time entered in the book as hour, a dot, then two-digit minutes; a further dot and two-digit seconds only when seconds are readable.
2.51
